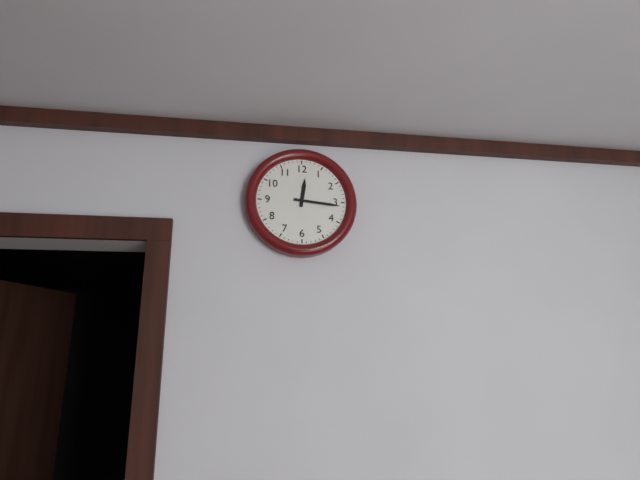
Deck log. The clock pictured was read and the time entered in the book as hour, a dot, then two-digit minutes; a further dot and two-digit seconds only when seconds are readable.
12.16
